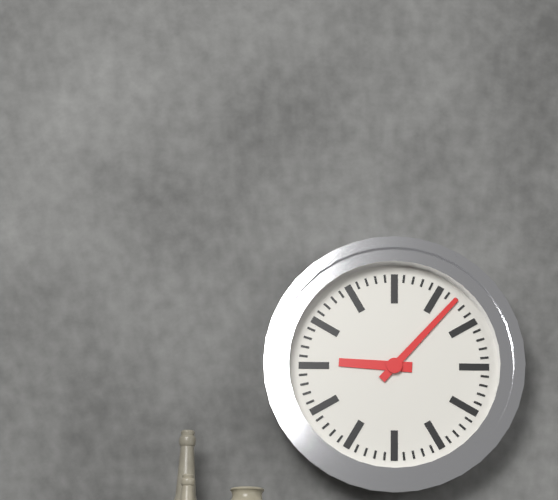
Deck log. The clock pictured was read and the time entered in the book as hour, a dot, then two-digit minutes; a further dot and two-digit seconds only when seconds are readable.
9.07
